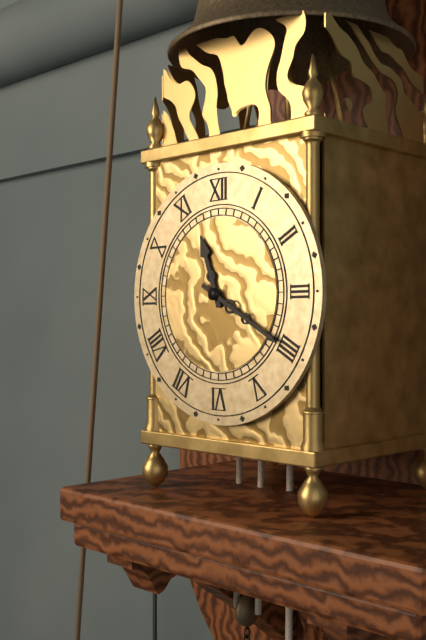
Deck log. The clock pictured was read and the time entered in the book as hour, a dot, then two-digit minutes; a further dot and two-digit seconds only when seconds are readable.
11.20
